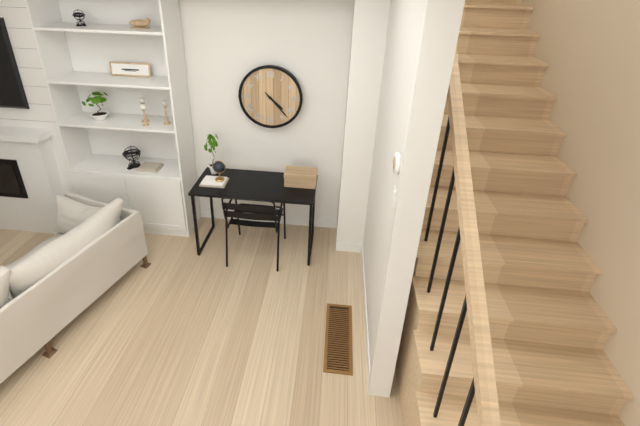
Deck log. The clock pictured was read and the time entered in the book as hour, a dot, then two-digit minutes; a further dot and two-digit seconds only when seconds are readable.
4.23
